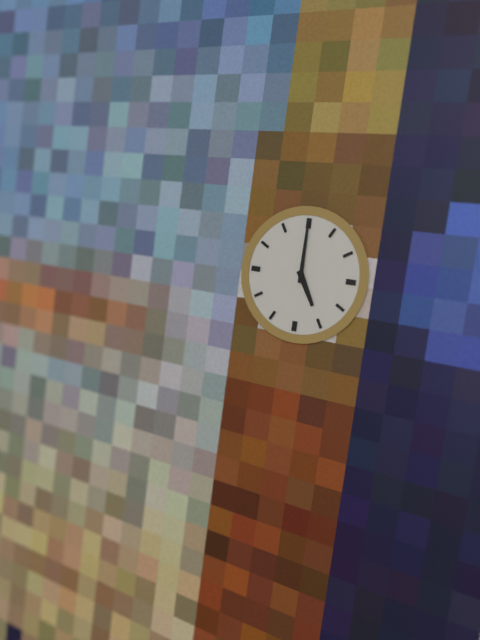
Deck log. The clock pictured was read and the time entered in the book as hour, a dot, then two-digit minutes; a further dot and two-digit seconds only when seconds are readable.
5.00
